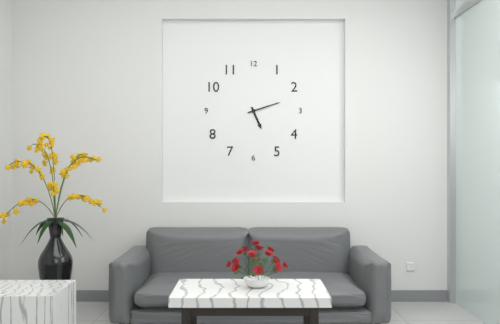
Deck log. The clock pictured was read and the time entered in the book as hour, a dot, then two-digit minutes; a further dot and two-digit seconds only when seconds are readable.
5.12
